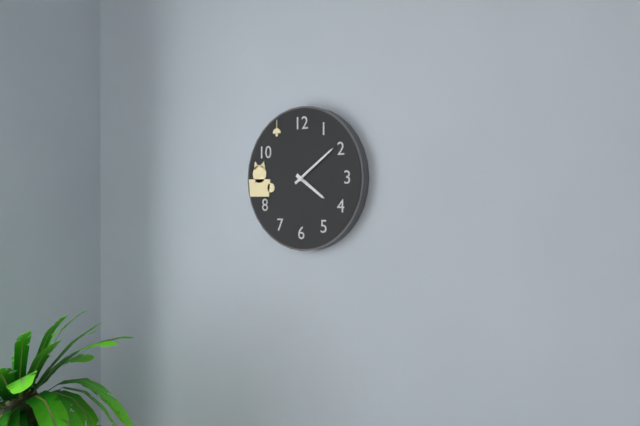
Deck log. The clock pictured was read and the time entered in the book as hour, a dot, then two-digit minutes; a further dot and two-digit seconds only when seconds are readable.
4.09
